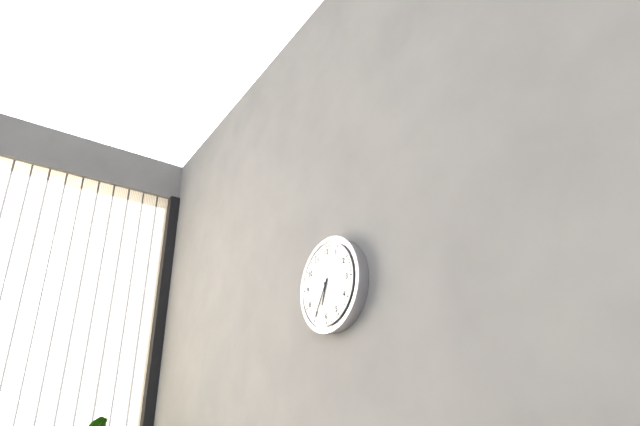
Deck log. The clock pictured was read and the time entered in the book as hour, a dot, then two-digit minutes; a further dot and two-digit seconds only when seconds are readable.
6.35
